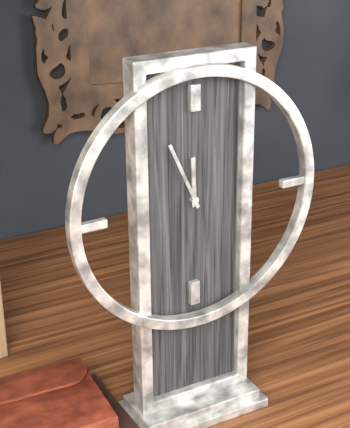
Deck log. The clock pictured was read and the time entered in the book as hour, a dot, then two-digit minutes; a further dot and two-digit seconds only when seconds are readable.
11.56
